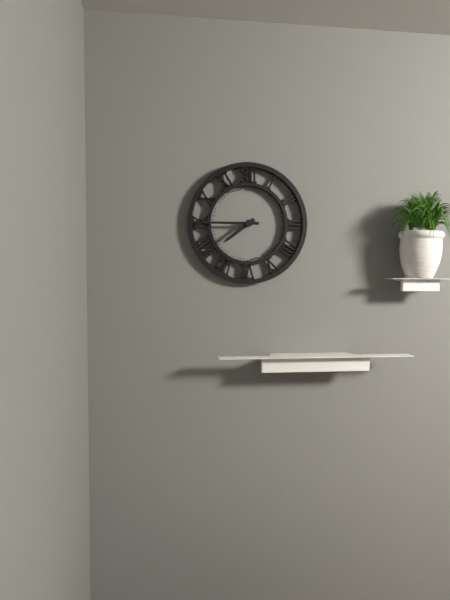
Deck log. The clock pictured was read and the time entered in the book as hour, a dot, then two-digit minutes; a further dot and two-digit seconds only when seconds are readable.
7.45
